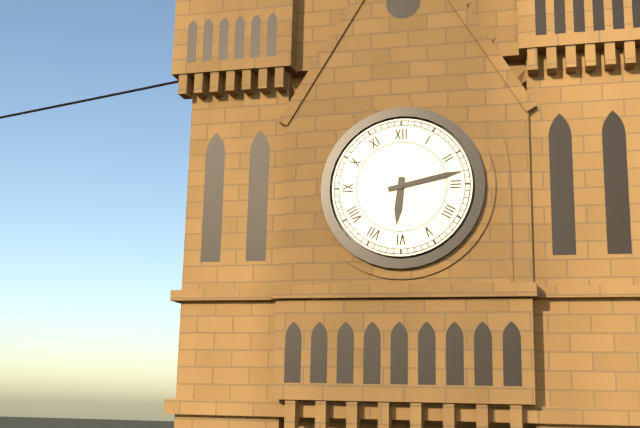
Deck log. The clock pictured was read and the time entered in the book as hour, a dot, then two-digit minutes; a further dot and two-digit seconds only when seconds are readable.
6.13
